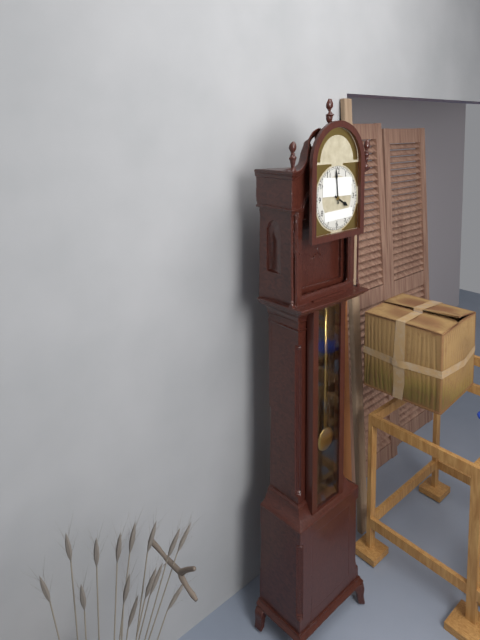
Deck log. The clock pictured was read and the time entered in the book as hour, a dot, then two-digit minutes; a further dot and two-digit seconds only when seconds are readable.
3.59
